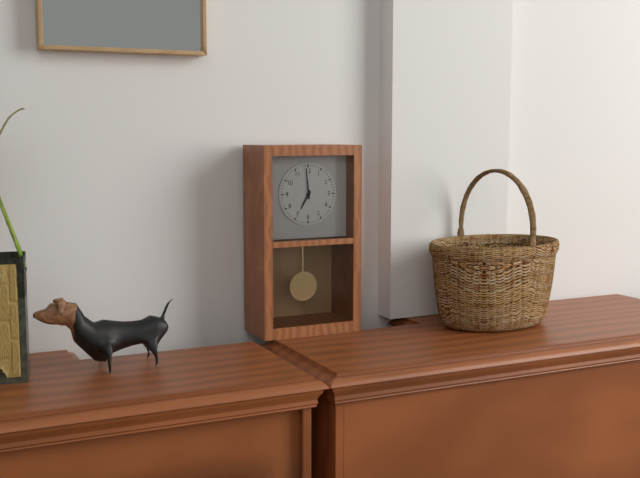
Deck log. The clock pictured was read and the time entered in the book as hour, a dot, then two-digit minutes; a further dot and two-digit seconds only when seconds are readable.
6.59
